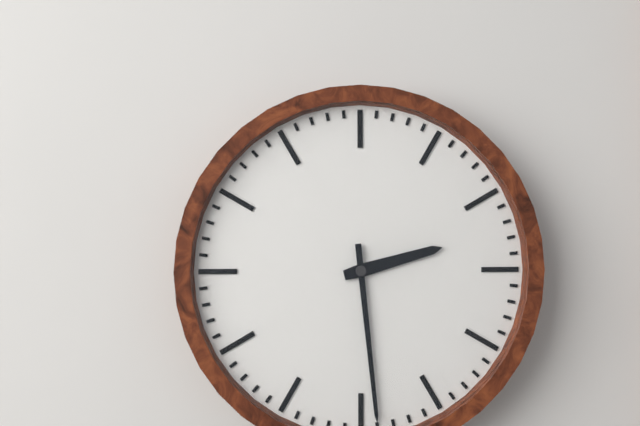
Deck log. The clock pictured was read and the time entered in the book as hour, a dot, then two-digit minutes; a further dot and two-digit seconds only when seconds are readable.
2.29
